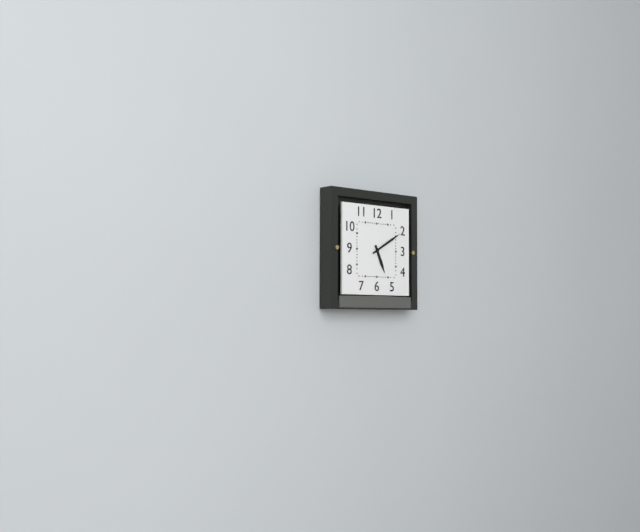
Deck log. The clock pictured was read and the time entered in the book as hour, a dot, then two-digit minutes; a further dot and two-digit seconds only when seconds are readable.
5.10
